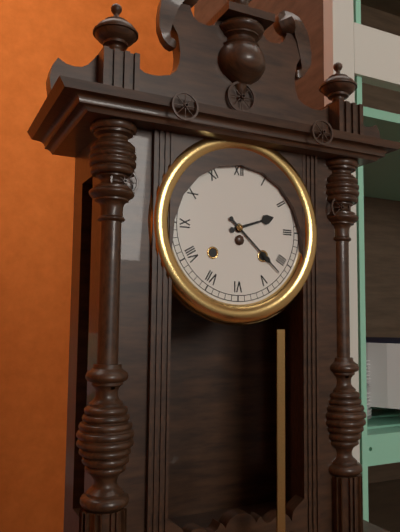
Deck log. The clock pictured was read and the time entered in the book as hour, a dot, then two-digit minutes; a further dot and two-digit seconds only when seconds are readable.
2.22
